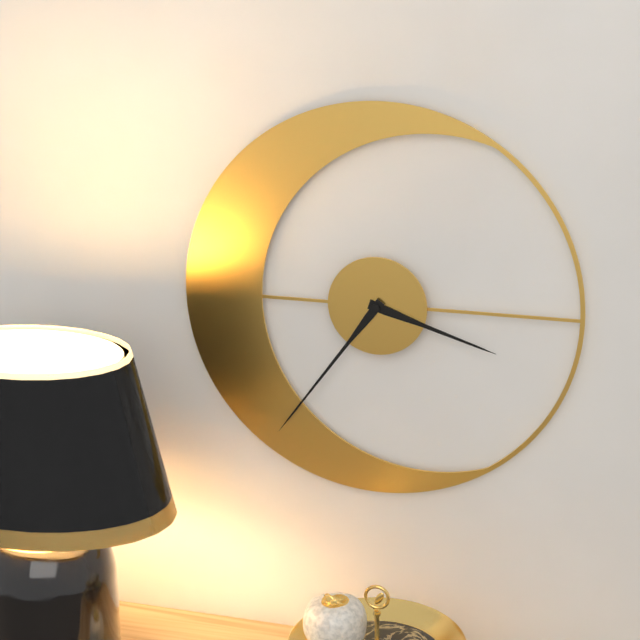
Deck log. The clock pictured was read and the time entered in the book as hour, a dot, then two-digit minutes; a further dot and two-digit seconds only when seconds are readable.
3.36
